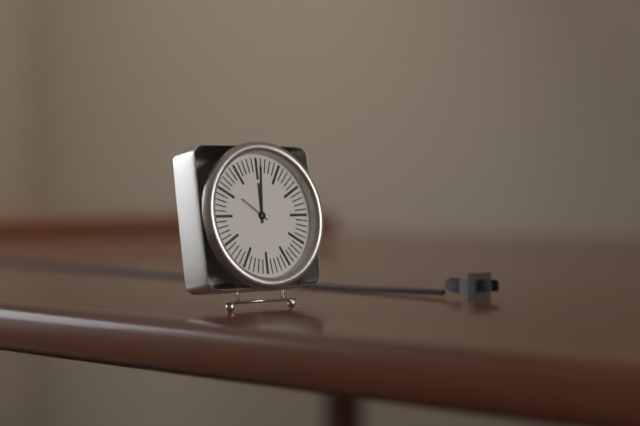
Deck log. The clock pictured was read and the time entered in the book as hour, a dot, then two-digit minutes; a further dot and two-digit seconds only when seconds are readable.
12.01
